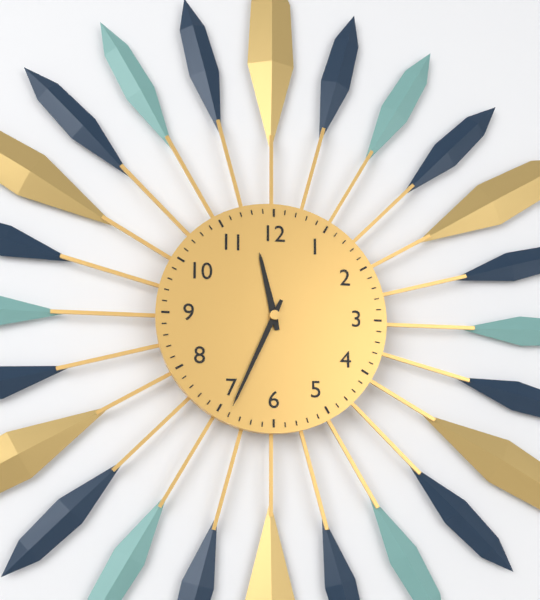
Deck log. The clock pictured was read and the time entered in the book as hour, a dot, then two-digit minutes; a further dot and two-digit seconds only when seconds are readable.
11.34
